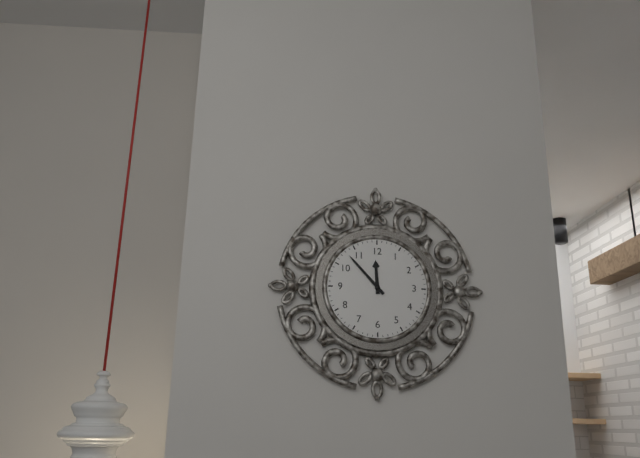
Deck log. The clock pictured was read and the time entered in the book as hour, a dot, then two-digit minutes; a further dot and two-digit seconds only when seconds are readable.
11.53
